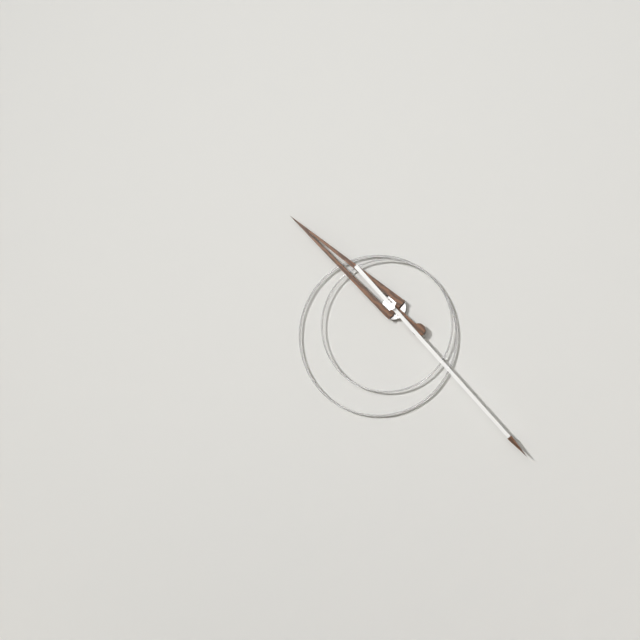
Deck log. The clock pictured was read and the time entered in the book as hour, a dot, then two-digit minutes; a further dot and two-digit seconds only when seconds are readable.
10.23
